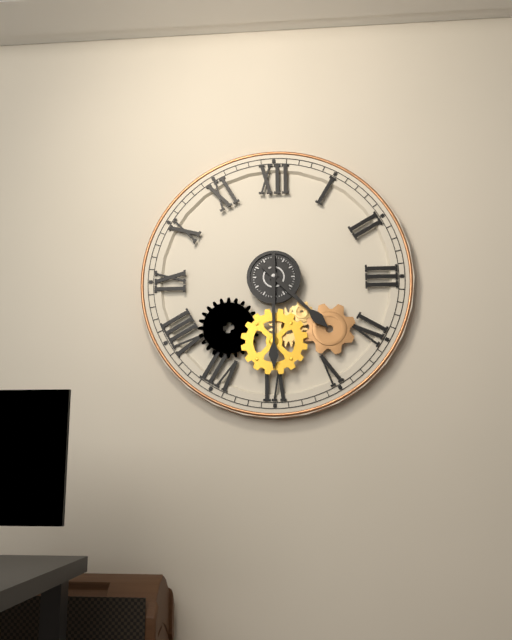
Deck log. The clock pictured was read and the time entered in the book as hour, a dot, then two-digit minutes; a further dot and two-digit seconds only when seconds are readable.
4.30
